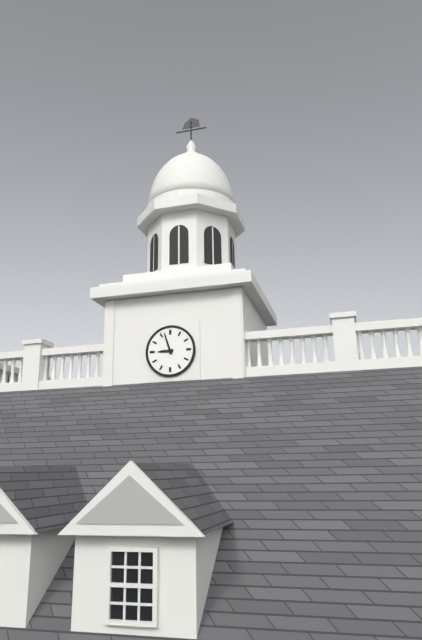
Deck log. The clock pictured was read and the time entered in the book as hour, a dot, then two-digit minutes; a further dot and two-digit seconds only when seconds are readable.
8.57
